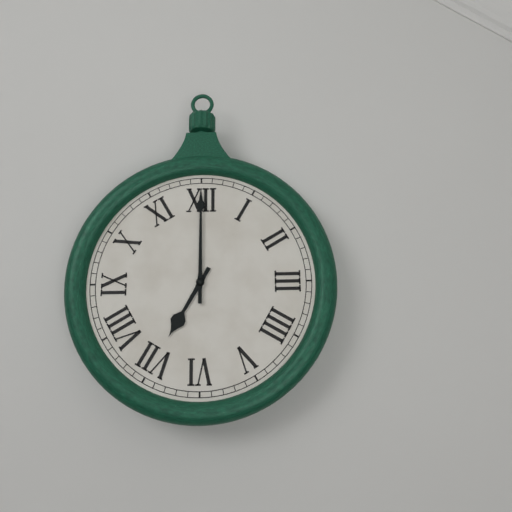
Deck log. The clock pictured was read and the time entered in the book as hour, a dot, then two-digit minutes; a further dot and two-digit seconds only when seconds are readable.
7.00
